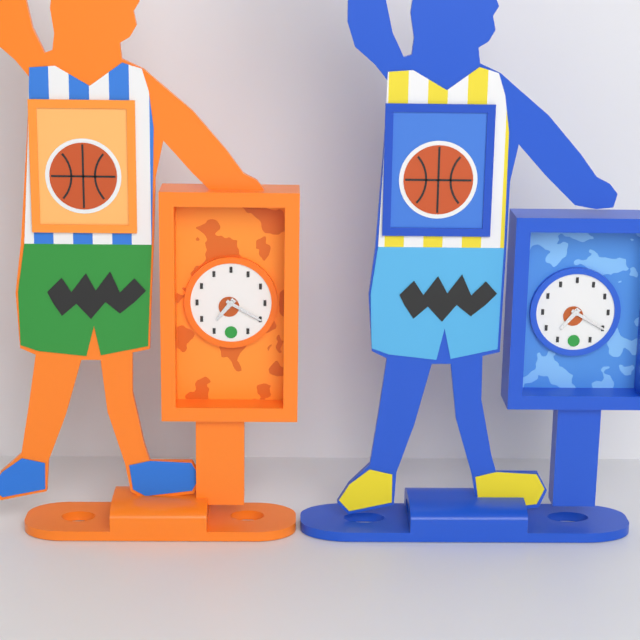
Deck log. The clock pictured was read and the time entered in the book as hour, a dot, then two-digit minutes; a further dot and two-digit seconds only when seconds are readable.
7.20
